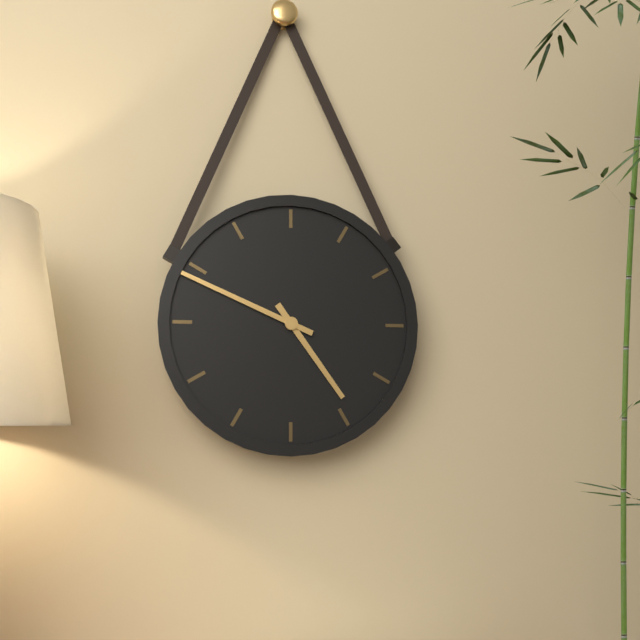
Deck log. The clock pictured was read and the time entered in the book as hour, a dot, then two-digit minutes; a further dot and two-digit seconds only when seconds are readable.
4.49
